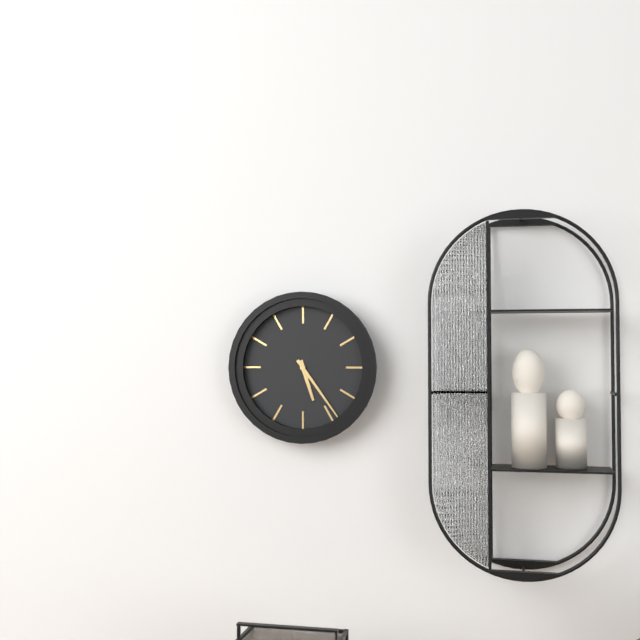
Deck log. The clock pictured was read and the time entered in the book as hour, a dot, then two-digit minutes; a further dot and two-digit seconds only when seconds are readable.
5.24
